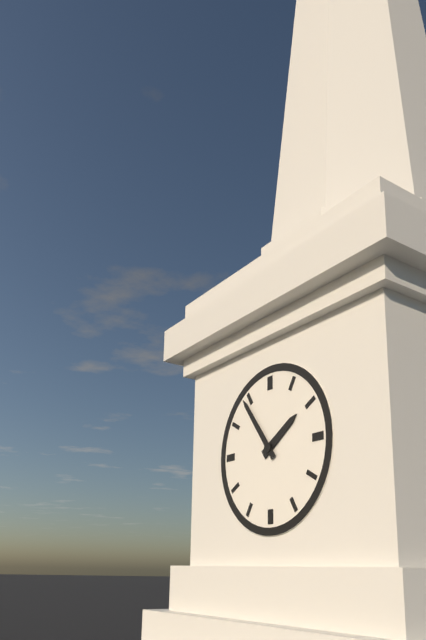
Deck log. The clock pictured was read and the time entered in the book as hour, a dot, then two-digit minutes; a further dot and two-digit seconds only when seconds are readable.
1.54
